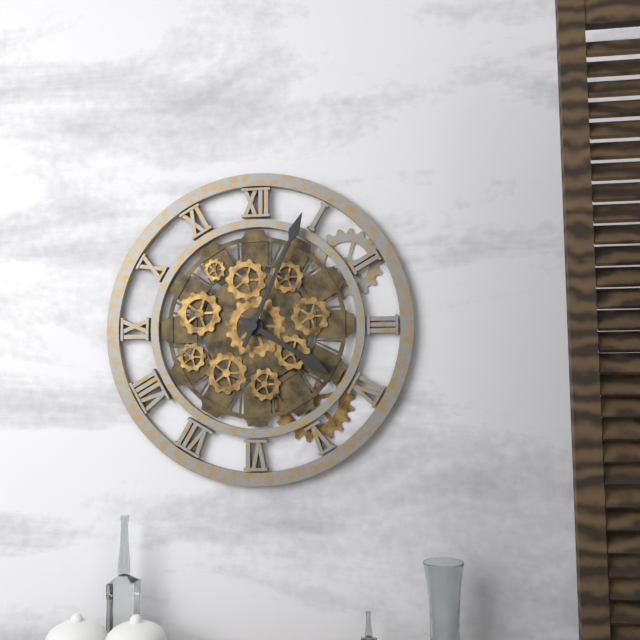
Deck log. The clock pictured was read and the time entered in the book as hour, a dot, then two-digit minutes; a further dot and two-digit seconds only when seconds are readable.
4.04
